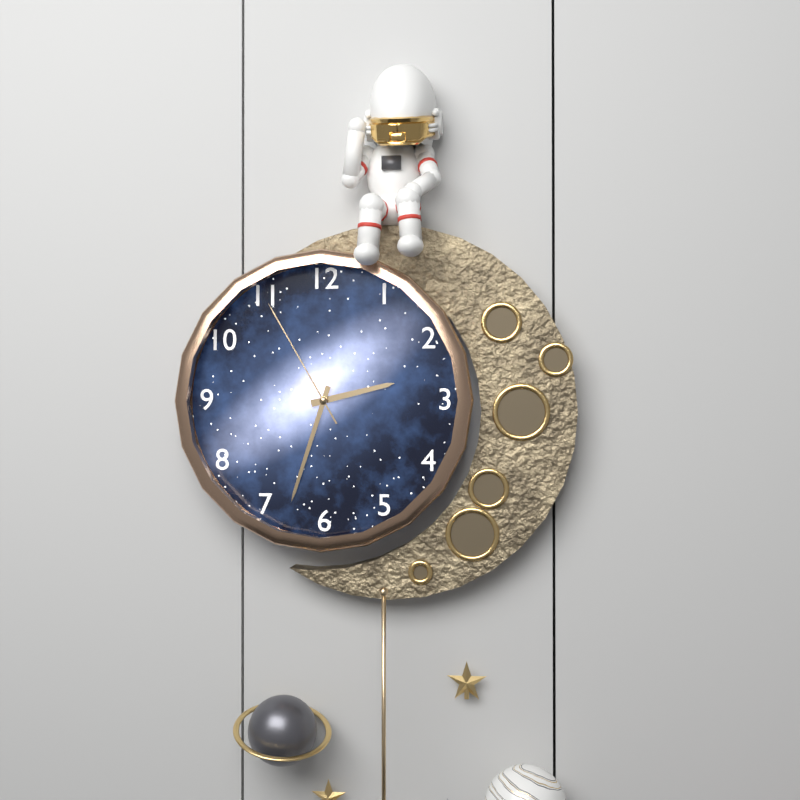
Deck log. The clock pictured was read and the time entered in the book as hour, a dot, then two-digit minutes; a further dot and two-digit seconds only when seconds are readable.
2.33.55
